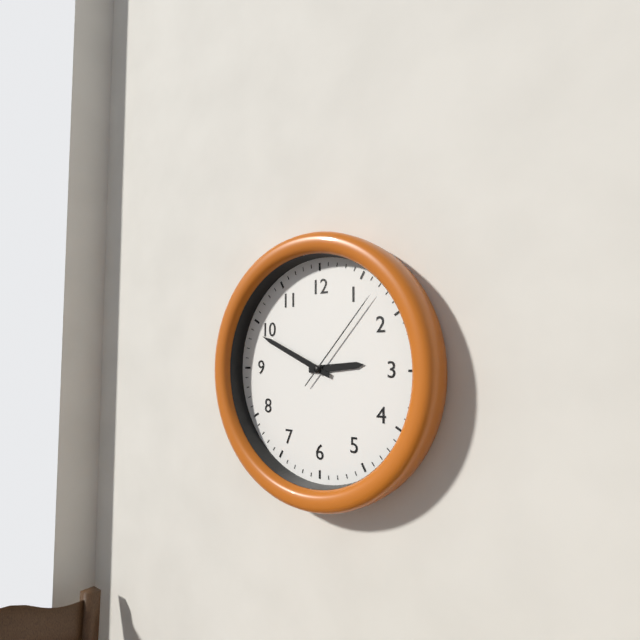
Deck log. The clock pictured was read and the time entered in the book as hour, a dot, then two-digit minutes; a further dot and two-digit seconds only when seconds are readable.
2.49.07
